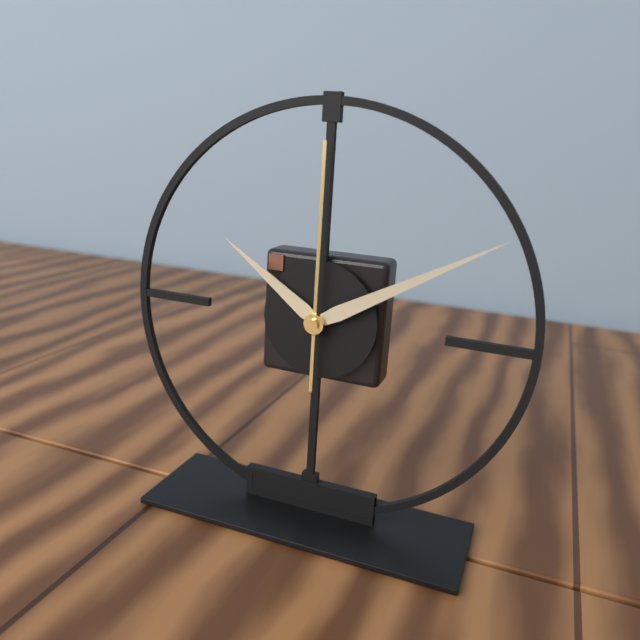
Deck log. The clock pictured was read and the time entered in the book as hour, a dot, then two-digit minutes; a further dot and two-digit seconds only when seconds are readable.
10.10.00
